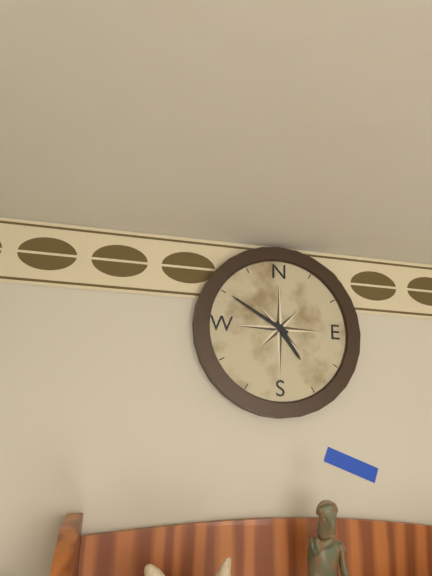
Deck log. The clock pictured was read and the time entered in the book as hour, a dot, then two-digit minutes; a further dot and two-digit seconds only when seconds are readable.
4.50
